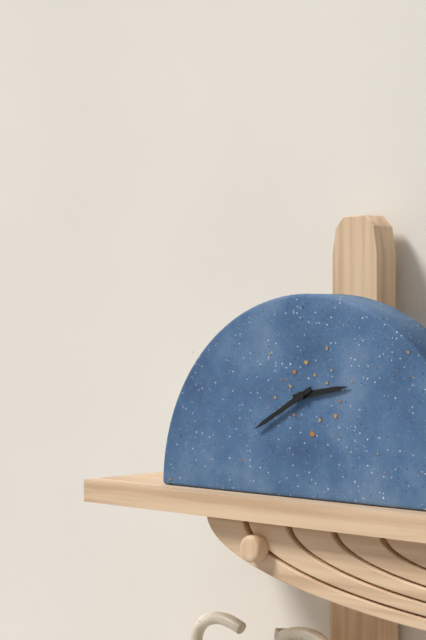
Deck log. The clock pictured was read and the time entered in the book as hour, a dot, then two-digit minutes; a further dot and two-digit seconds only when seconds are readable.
2.40
